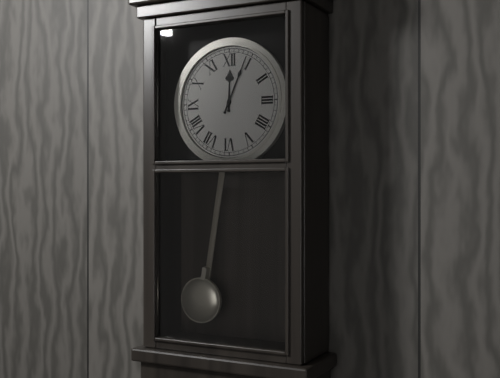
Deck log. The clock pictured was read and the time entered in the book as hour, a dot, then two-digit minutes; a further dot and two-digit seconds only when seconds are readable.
12.04
